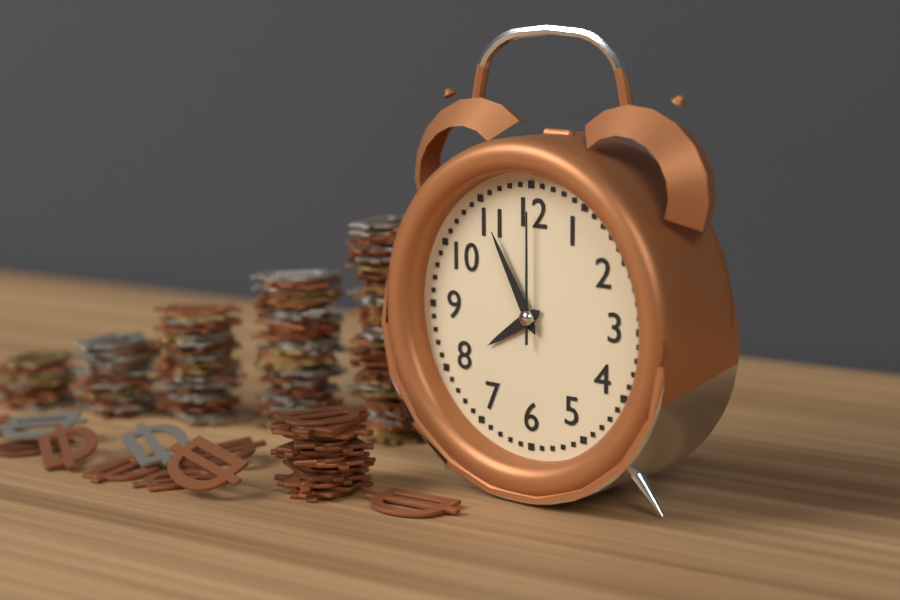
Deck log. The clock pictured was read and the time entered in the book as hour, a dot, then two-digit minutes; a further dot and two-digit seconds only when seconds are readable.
7.55.00
